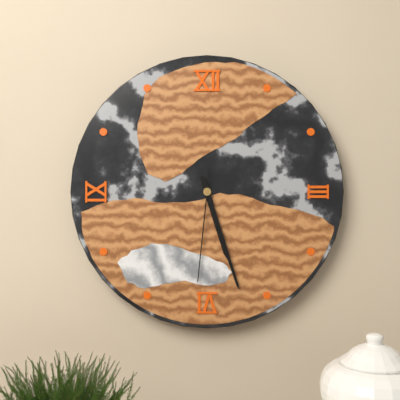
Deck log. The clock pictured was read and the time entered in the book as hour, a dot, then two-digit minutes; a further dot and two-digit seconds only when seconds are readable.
5.27.31
